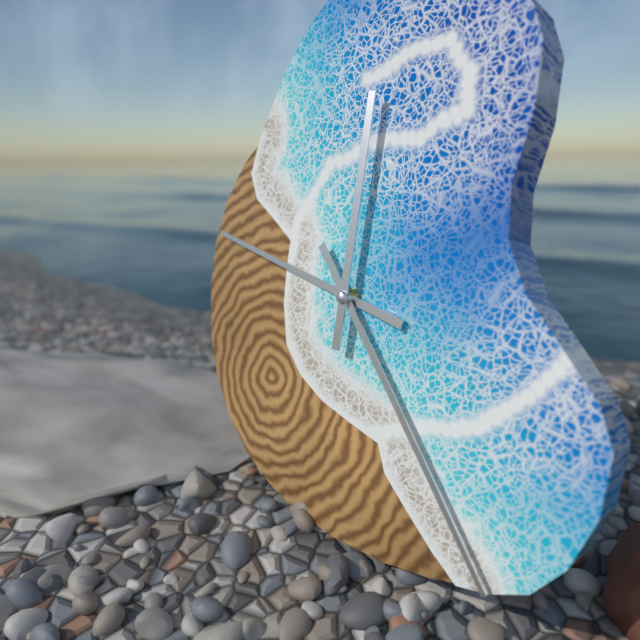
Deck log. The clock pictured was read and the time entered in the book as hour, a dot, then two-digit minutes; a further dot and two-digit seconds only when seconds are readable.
9.23.00
